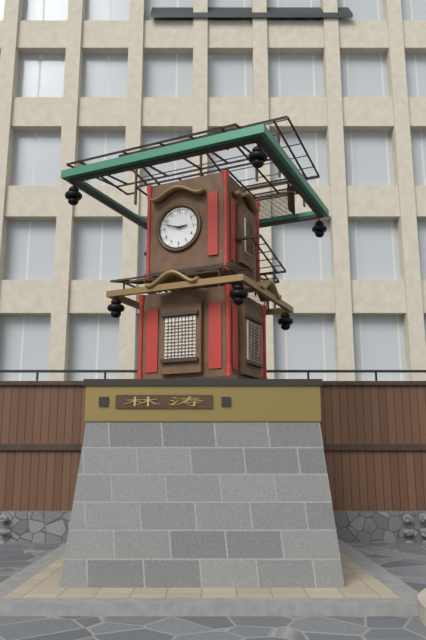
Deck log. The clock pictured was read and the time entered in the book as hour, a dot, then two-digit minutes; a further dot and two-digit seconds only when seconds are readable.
2.48
